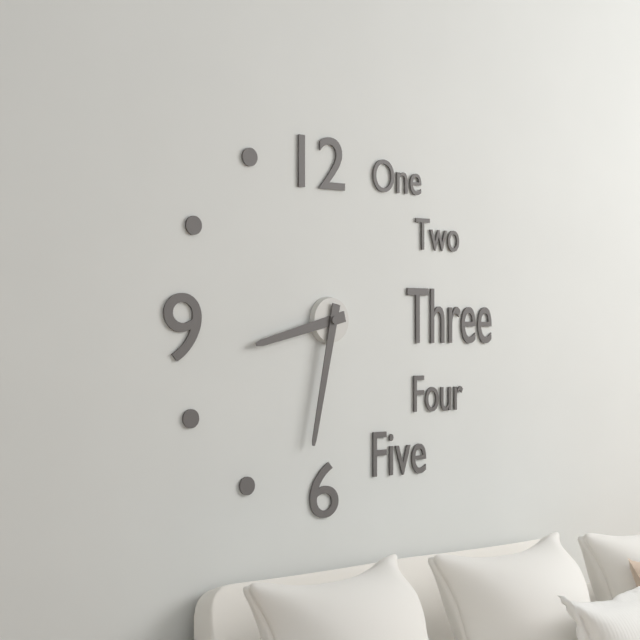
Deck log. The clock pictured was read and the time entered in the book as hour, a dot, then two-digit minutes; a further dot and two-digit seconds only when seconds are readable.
8.32
